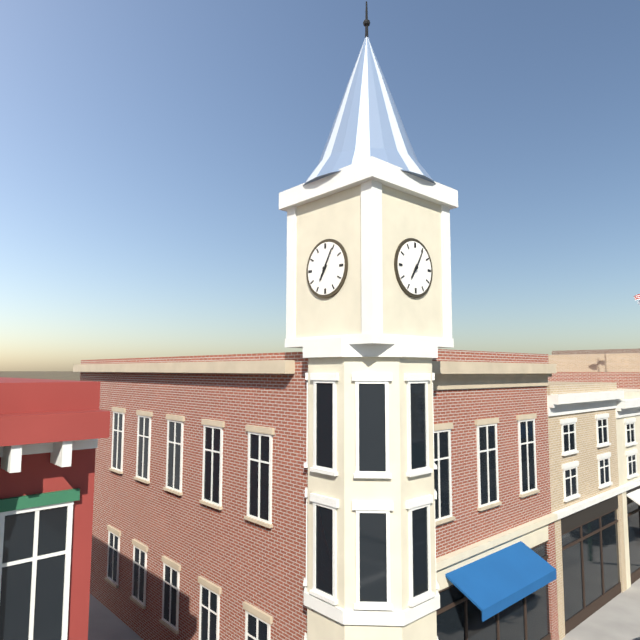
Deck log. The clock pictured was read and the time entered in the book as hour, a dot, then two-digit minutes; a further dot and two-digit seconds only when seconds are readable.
7.05
